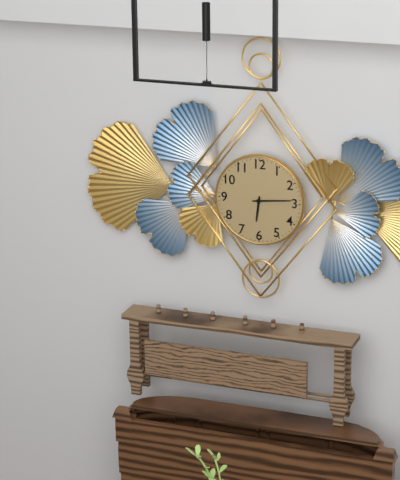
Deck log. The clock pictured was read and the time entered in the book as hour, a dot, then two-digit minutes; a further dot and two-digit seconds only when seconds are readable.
6.14
